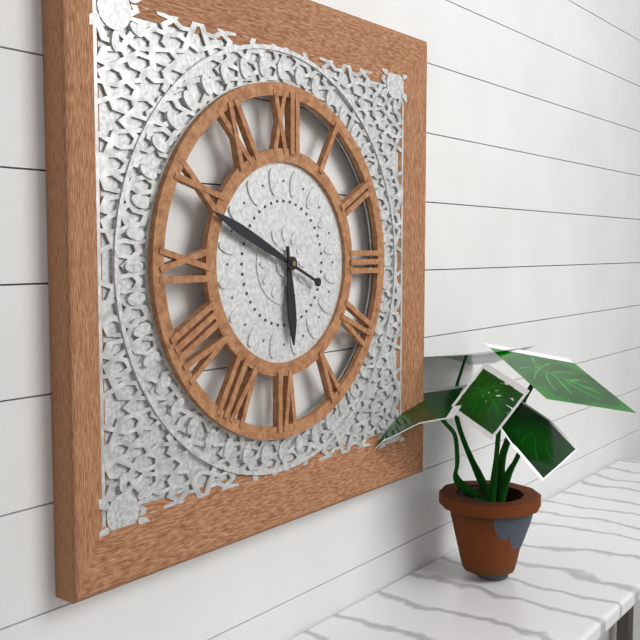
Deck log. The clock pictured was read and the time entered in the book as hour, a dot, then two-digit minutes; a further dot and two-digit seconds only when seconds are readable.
5.49
